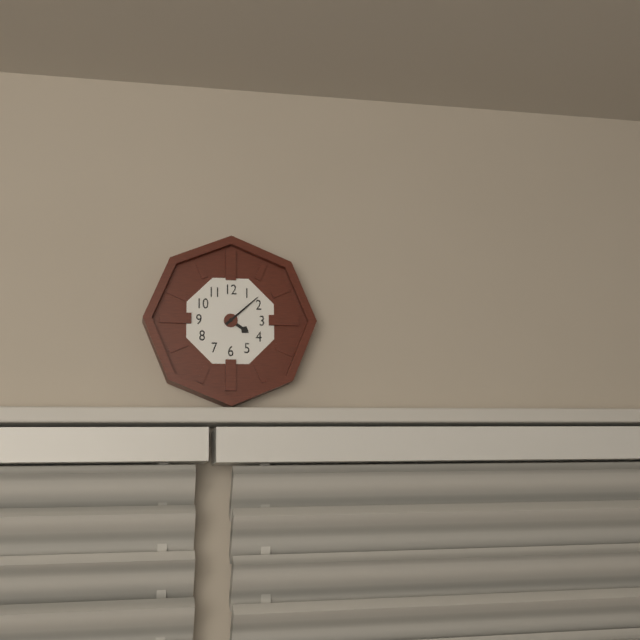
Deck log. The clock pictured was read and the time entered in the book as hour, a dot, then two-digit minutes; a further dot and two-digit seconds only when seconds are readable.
4.08
